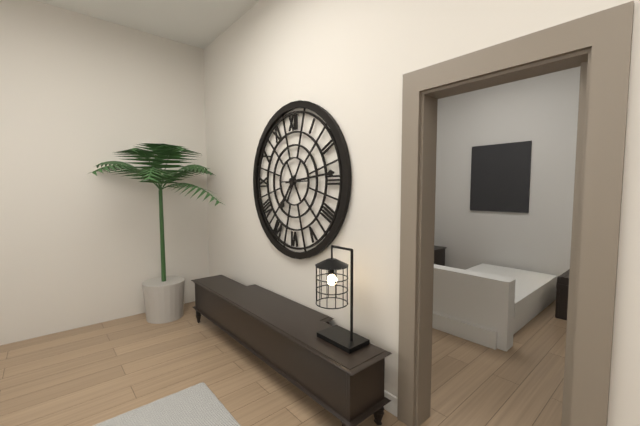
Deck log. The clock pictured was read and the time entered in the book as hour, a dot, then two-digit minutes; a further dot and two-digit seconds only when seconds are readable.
7.14
